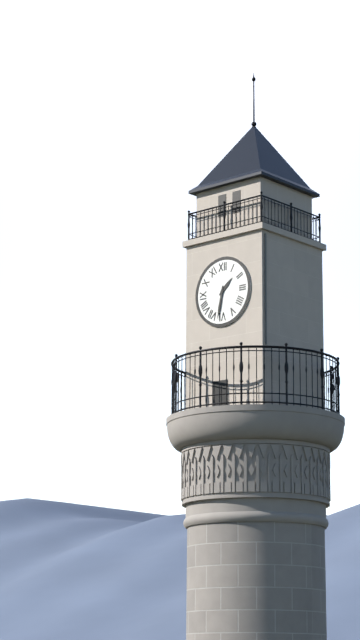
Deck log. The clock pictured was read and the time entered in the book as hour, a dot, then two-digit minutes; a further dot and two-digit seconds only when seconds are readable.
1.32
